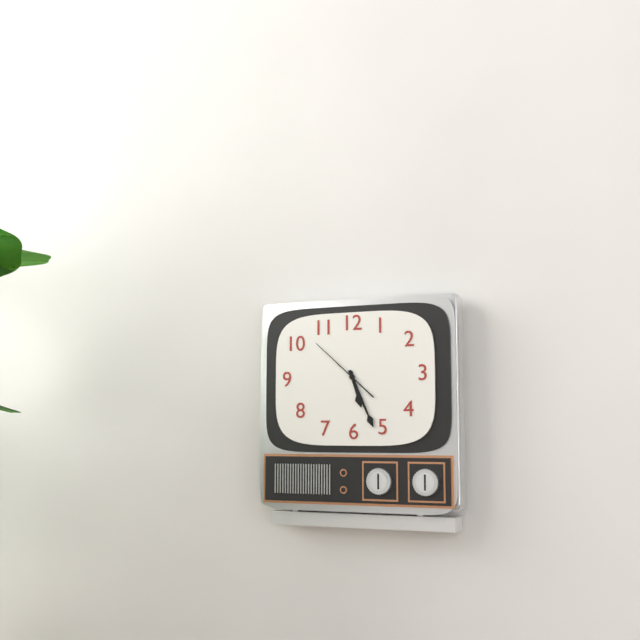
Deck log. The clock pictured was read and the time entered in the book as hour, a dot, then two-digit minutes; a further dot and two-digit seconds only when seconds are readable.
5.26.52
